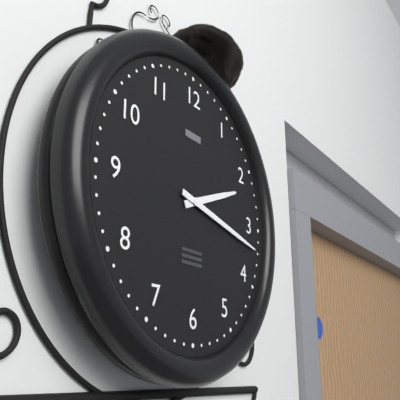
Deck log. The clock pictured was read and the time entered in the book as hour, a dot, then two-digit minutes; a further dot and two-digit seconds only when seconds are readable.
2.17
